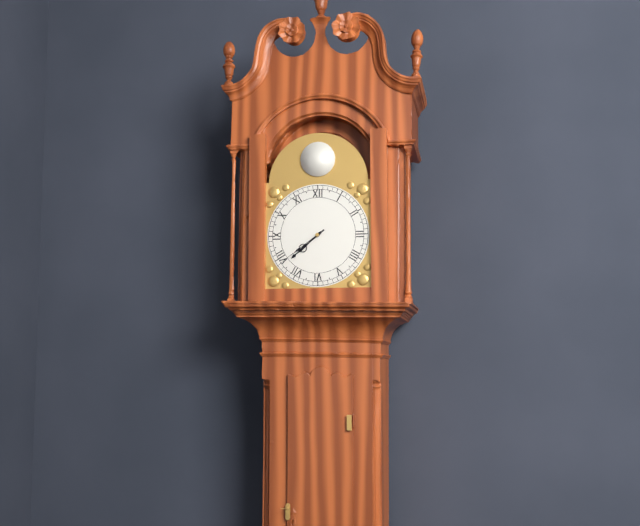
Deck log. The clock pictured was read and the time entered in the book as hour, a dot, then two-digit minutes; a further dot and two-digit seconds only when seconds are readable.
7.39
